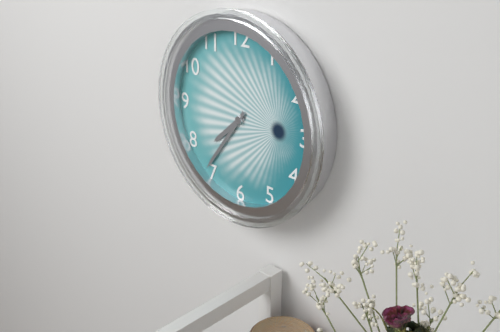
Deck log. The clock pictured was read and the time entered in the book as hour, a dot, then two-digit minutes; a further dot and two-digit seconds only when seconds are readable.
7.36
